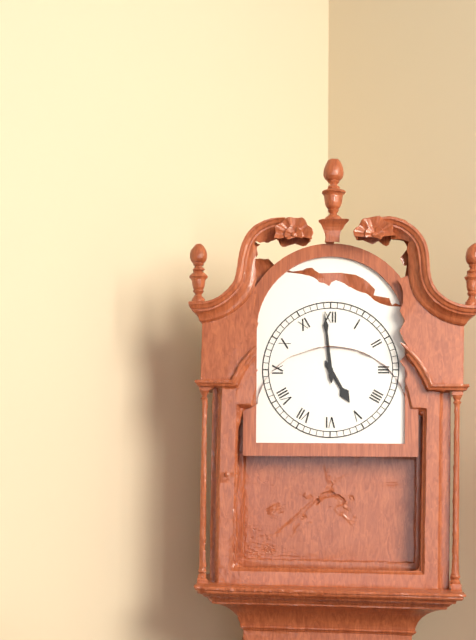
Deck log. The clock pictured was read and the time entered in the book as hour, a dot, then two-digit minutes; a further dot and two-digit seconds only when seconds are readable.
4.59
